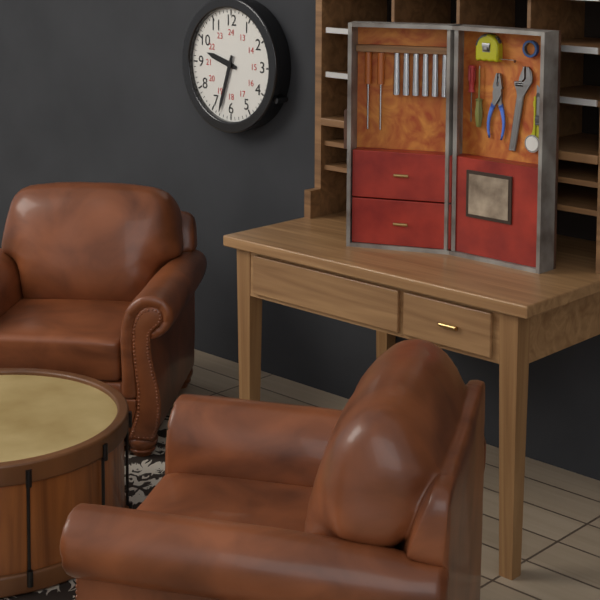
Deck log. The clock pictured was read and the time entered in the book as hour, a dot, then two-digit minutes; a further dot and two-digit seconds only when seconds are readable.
9.33
